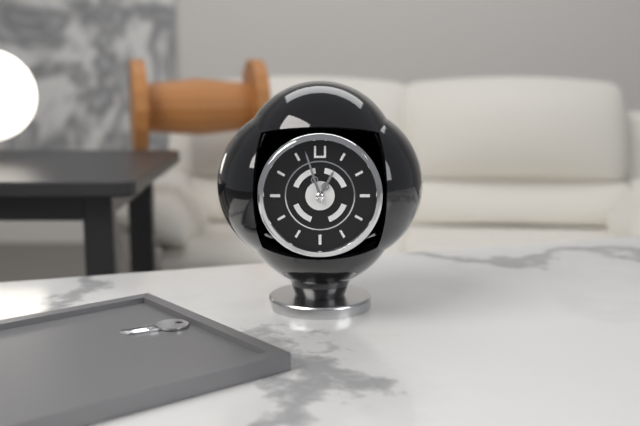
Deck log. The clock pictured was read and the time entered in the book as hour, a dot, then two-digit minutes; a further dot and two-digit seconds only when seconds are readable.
12.57
